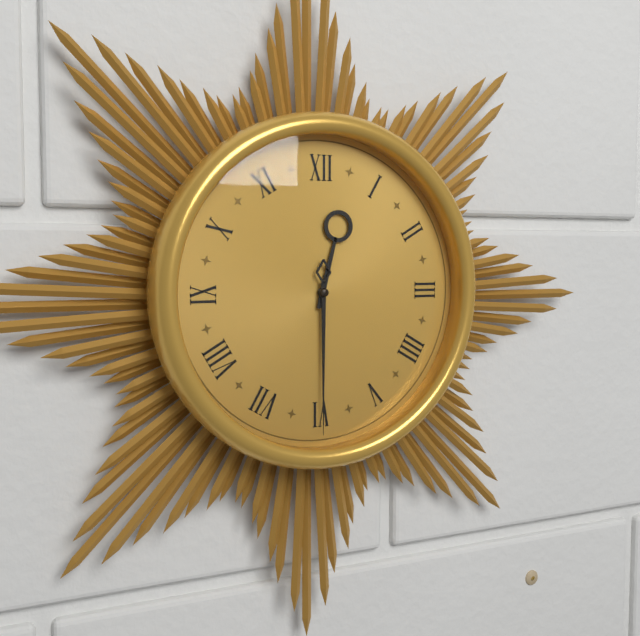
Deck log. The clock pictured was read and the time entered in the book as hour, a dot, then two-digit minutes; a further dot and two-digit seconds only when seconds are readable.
12.30
